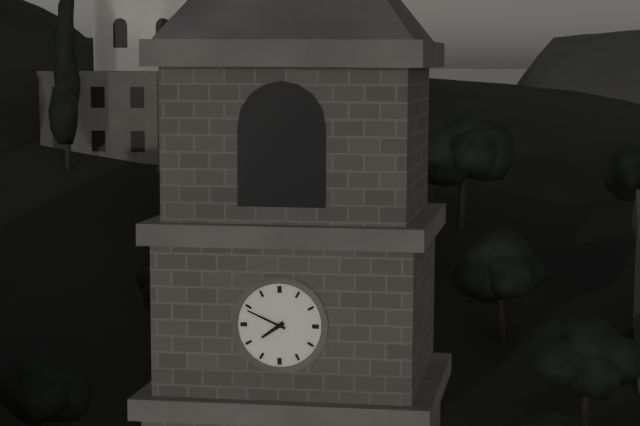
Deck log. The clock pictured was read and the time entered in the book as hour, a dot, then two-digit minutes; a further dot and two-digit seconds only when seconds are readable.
7.49
